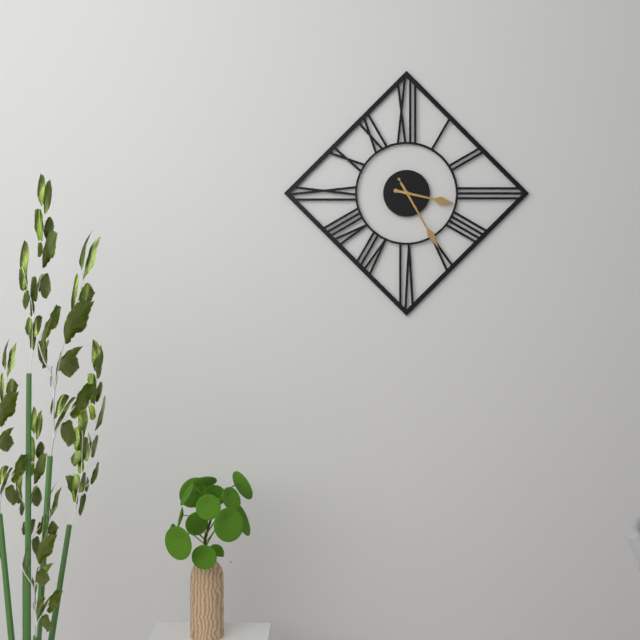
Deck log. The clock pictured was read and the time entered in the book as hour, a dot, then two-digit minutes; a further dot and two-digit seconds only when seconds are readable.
3.25.25
